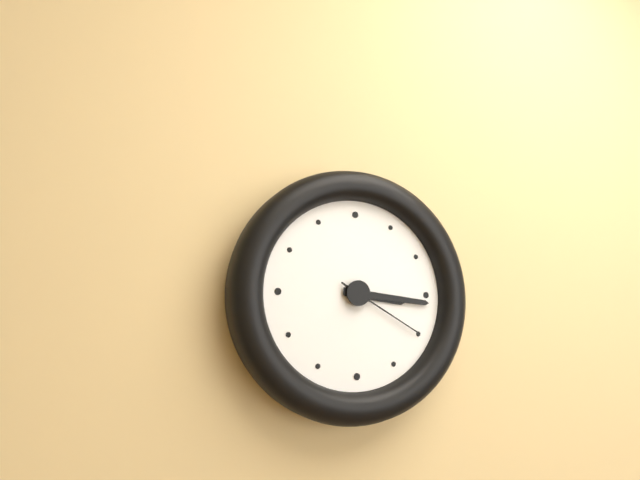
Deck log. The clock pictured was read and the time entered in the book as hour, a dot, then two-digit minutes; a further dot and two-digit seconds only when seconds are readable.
3.16.20
